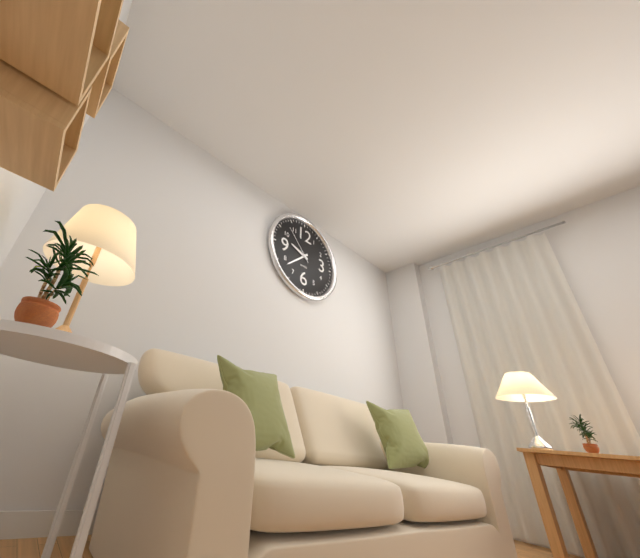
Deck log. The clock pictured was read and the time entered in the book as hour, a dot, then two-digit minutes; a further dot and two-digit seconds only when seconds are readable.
9.38
